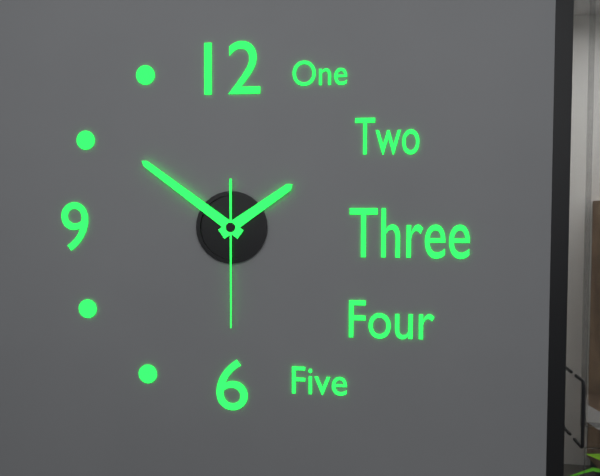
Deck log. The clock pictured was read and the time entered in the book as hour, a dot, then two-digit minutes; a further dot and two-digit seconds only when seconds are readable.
1.51.30
